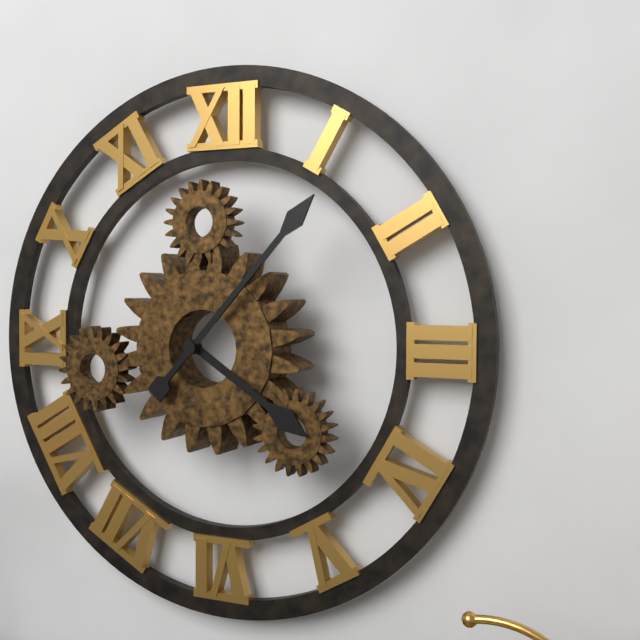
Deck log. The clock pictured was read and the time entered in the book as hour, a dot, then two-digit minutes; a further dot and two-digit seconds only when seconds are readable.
4.07
